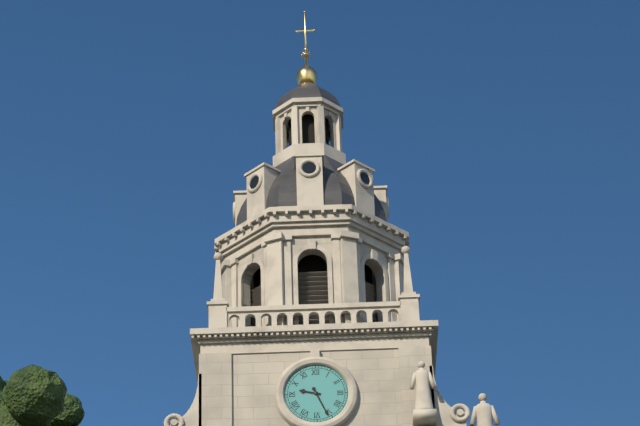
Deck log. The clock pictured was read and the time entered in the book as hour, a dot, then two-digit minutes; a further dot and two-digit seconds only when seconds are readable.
9.26
